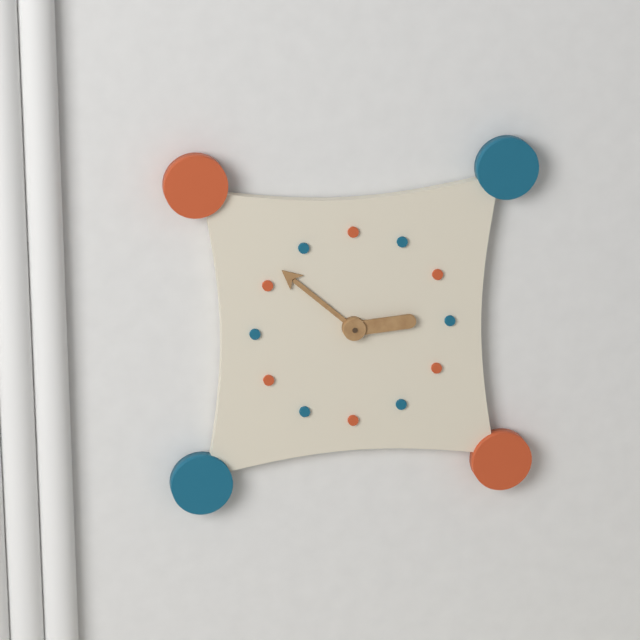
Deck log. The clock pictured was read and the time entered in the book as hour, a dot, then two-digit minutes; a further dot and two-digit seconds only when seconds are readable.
2.52
